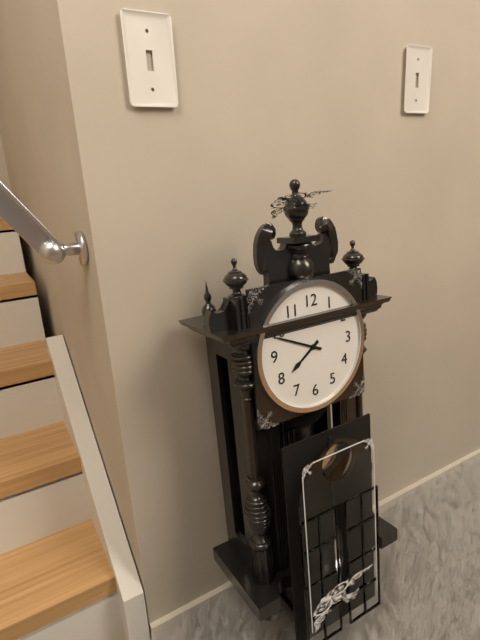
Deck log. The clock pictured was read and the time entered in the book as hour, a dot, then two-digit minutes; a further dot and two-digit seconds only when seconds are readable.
7.49
